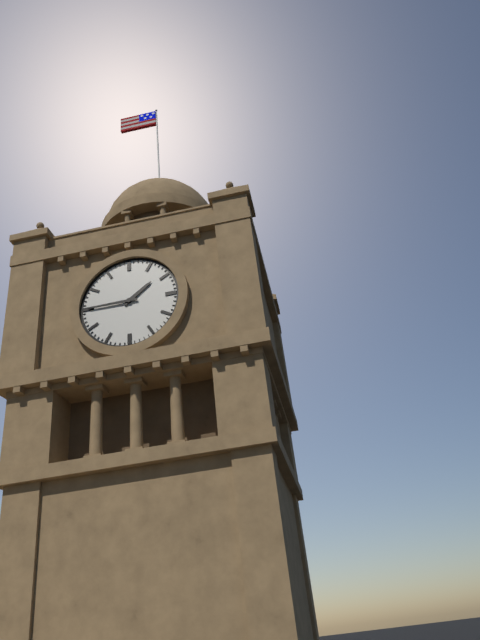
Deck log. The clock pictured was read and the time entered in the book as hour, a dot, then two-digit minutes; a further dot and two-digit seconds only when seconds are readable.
1.45
